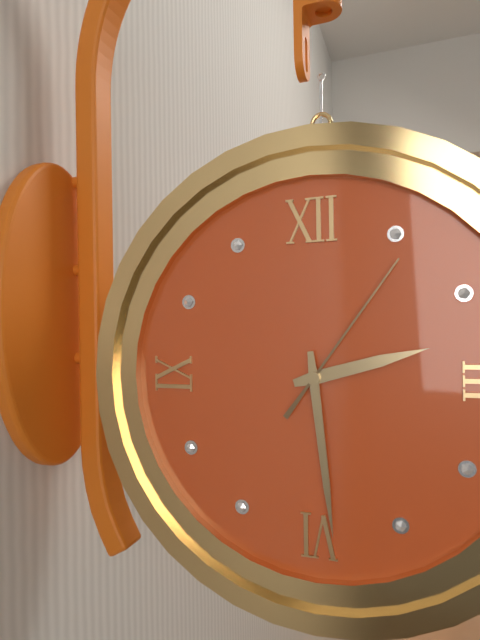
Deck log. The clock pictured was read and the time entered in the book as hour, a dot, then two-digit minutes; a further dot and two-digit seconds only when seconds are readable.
2.29.06
